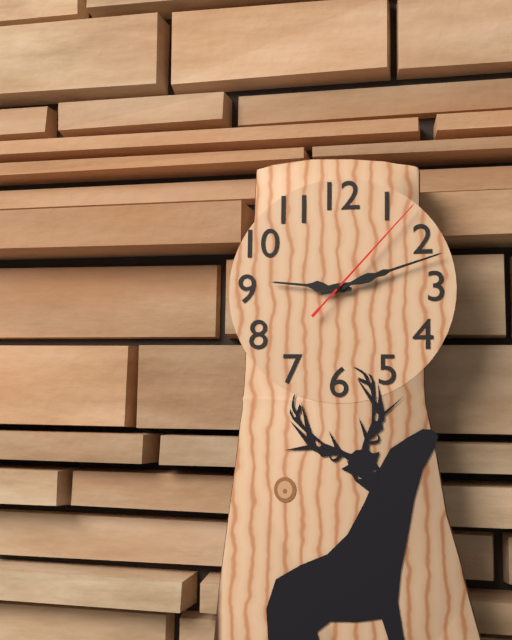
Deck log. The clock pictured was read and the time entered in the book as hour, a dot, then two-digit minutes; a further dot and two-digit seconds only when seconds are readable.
9.12.07
